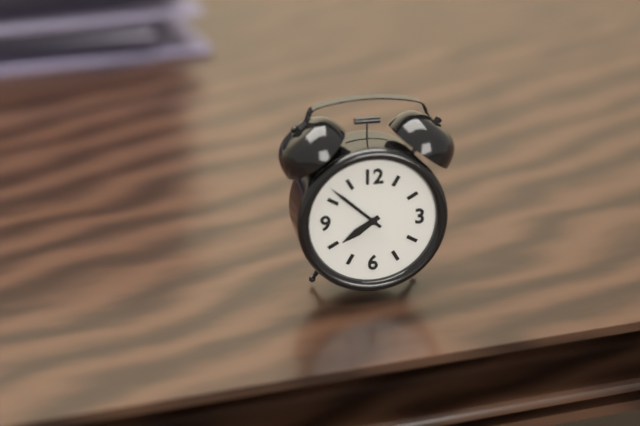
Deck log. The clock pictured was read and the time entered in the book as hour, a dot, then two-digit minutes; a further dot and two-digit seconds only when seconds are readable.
7.52
